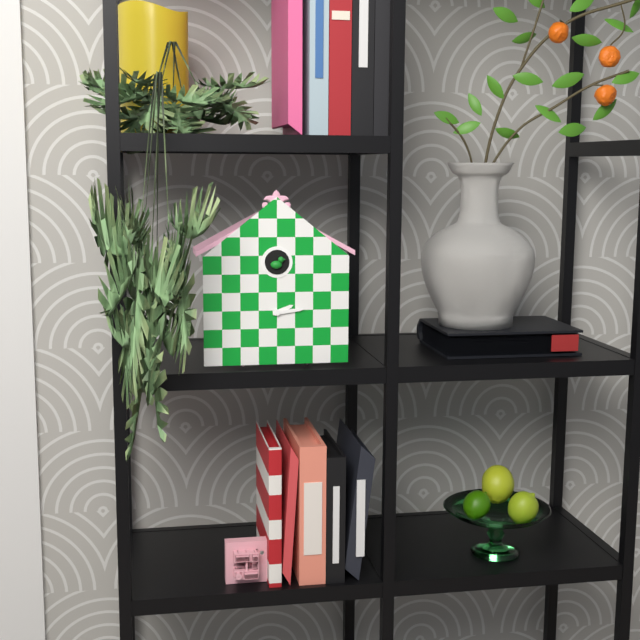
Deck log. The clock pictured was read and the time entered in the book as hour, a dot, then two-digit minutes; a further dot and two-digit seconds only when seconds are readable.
2.14
